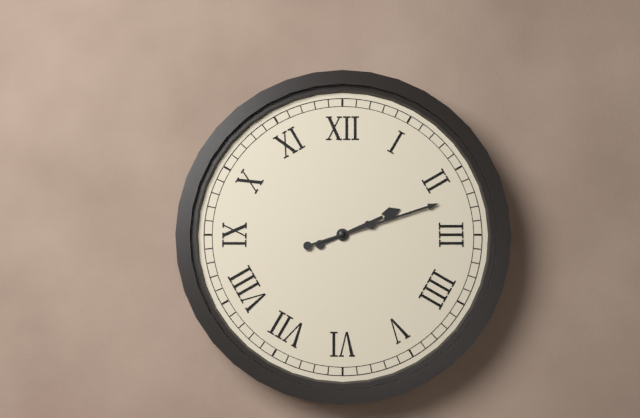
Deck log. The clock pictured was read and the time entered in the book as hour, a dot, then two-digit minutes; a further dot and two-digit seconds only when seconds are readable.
2.12
